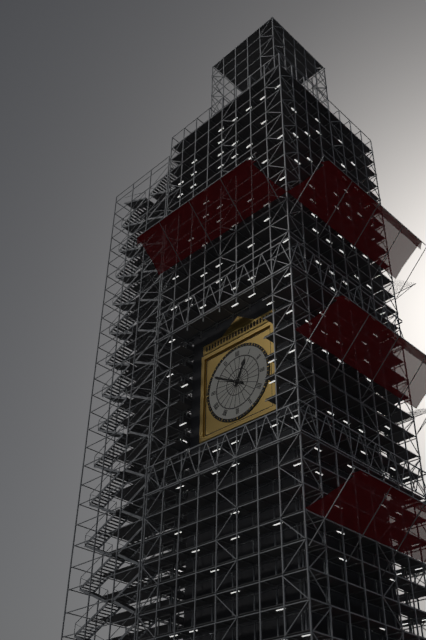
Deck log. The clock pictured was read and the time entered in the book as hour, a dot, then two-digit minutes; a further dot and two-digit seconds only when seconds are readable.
12.50
